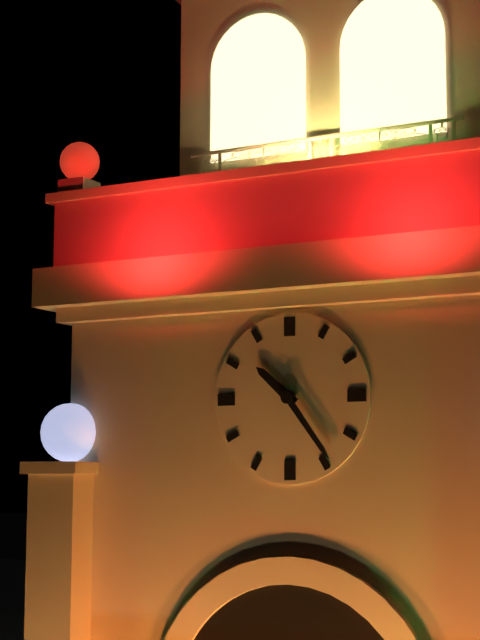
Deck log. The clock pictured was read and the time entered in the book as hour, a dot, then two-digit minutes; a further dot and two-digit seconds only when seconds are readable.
10.24
